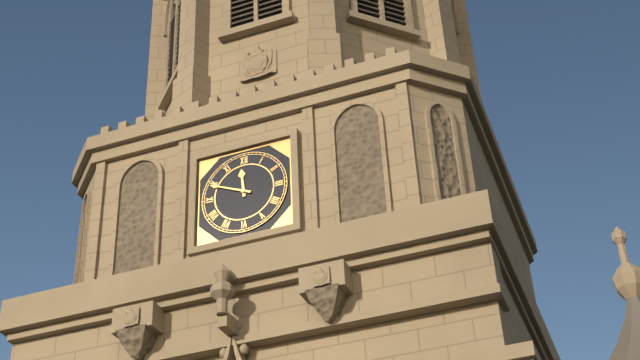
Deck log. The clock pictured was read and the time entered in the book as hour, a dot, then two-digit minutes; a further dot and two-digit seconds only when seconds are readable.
11.49
